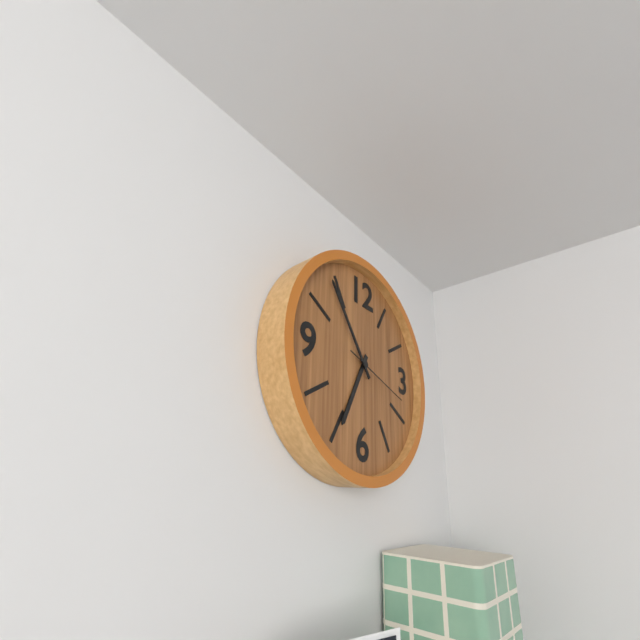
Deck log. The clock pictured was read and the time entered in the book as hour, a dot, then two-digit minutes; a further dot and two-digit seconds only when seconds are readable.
6.54.18
